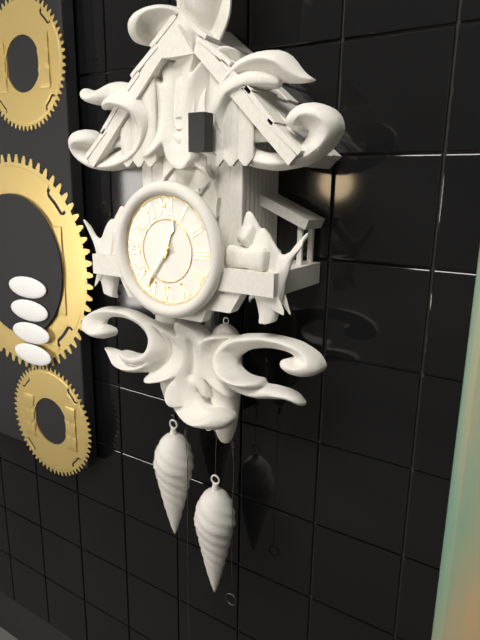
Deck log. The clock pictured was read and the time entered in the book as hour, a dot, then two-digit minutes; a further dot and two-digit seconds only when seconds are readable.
12.36
